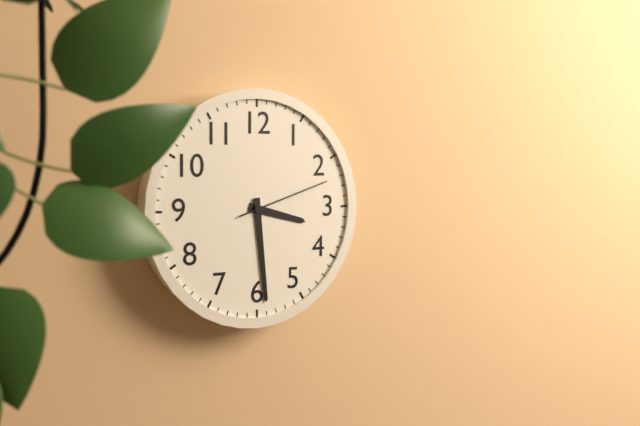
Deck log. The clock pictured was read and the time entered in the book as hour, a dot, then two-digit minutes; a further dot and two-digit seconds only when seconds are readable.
3.29.12
